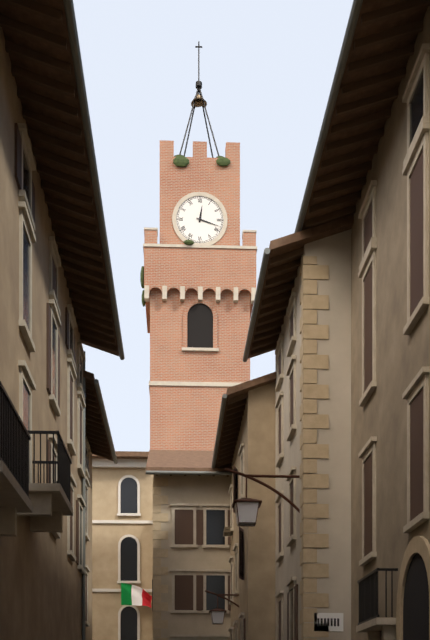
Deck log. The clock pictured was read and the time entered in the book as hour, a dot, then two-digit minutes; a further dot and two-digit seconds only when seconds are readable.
12.18
